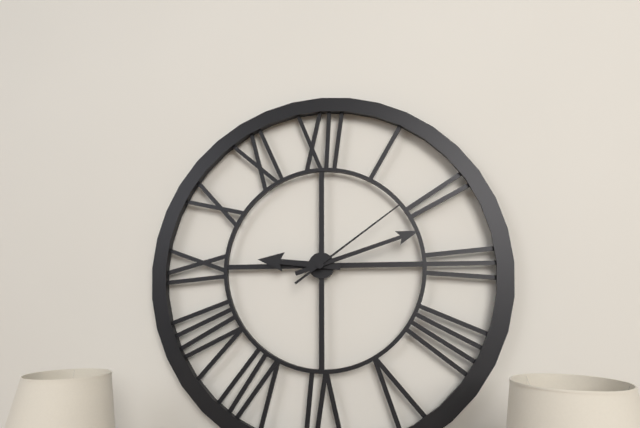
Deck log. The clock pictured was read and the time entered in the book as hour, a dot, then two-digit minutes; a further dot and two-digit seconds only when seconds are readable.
9.12.09
